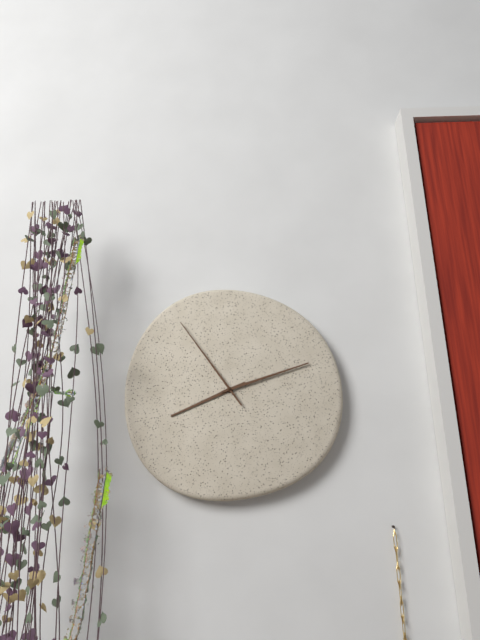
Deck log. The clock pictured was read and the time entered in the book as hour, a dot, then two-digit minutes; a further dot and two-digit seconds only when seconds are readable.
8.12.54
